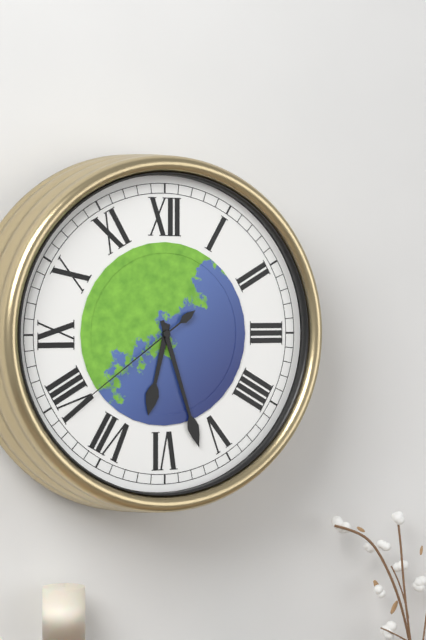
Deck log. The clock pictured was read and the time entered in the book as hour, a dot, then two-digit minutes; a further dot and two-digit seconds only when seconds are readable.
6.27.39
